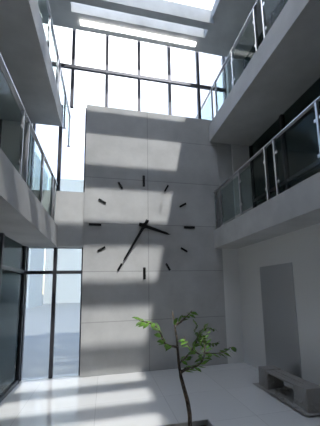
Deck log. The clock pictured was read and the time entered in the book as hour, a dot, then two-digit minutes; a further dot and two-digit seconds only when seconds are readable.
3.35
